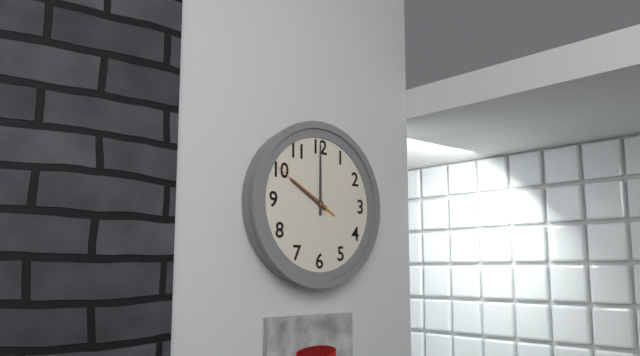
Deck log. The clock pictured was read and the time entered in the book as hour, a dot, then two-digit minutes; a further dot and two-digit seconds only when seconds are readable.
10.00.50
